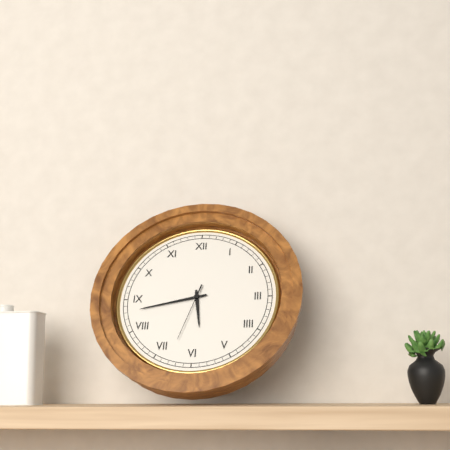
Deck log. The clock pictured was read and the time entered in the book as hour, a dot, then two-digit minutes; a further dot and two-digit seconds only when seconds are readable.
5.43.33
